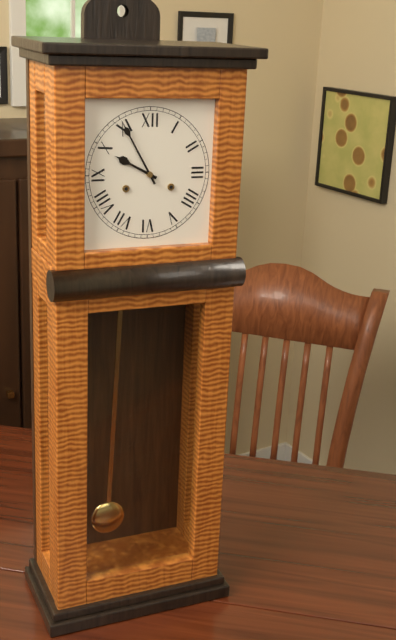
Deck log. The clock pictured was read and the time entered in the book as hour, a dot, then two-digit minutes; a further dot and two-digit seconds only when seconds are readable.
9.55
